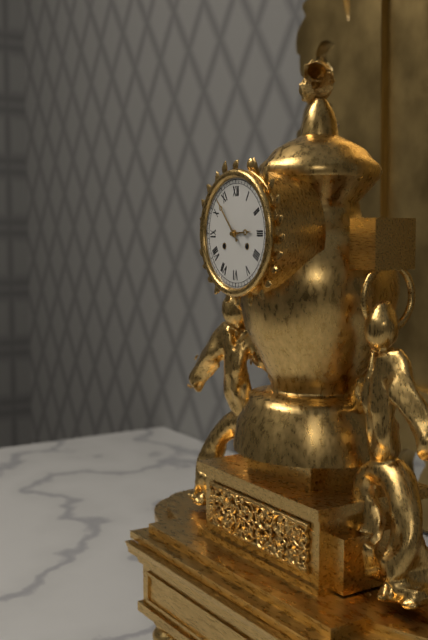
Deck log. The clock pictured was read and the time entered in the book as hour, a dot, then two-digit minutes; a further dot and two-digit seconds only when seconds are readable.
2.53
